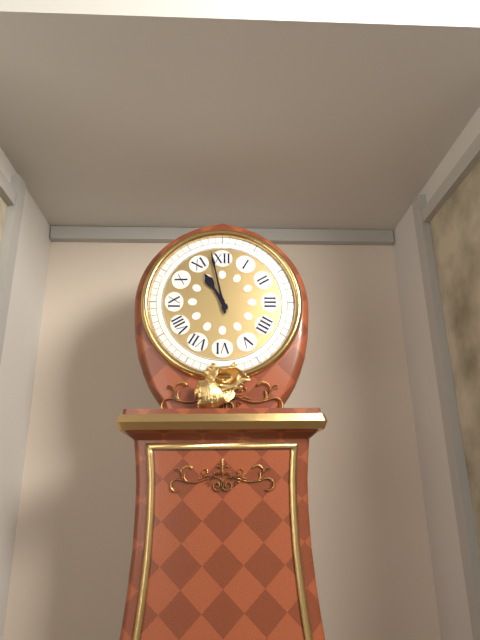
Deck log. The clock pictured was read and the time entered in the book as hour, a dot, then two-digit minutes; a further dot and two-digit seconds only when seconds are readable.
10.58
